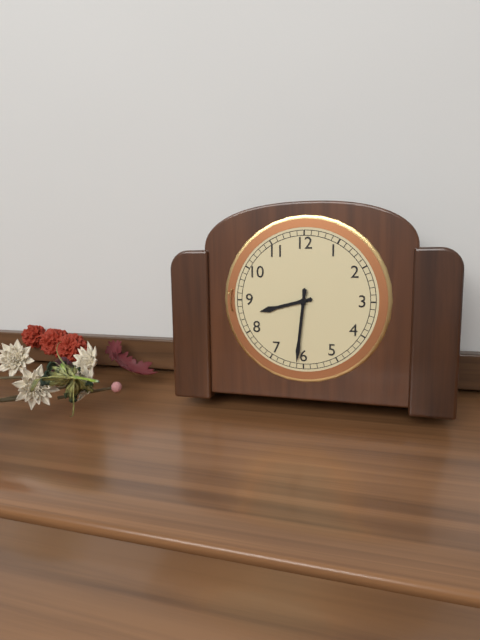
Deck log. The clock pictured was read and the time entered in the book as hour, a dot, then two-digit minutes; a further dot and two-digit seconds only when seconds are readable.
8.31
